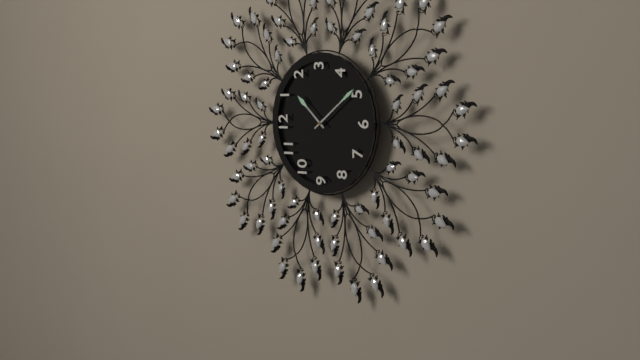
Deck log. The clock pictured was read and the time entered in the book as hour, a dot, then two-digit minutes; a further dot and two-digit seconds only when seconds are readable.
1.24
